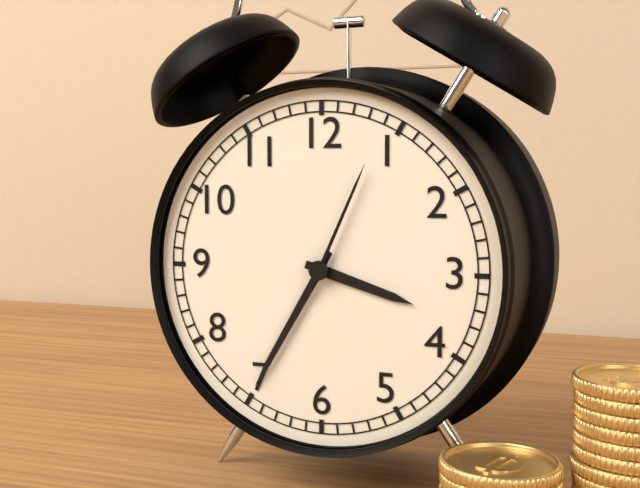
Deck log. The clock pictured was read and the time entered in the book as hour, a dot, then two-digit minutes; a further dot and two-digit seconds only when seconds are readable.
3.35.04
